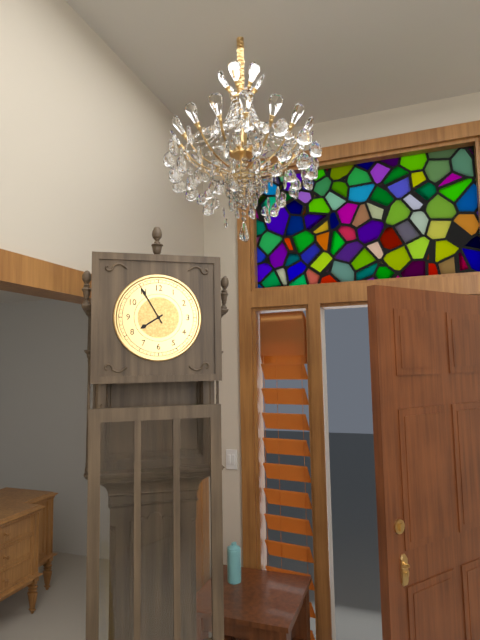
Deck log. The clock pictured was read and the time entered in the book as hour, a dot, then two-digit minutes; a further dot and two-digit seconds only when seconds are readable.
7.55
